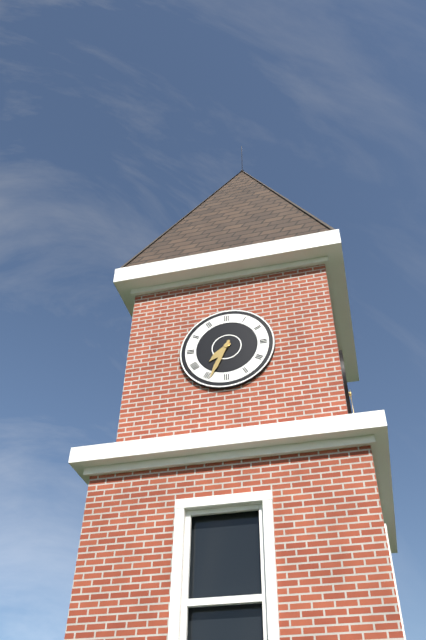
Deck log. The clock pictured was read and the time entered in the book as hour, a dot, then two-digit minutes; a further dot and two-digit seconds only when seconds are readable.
7.34
